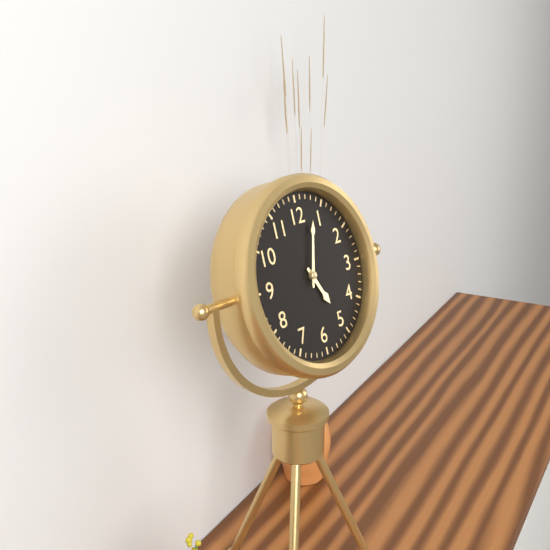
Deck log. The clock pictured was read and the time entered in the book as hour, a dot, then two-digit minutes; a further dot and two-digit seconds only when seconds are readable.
5.03
